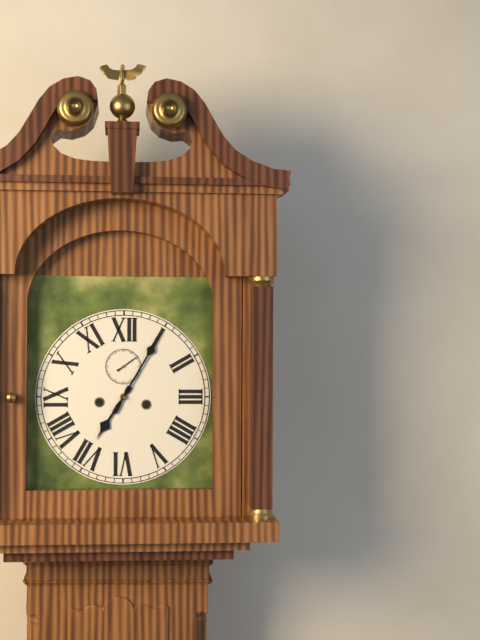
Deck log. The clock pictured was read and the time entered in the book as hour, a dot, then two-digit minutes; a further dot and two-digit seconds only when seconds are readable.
7.05
